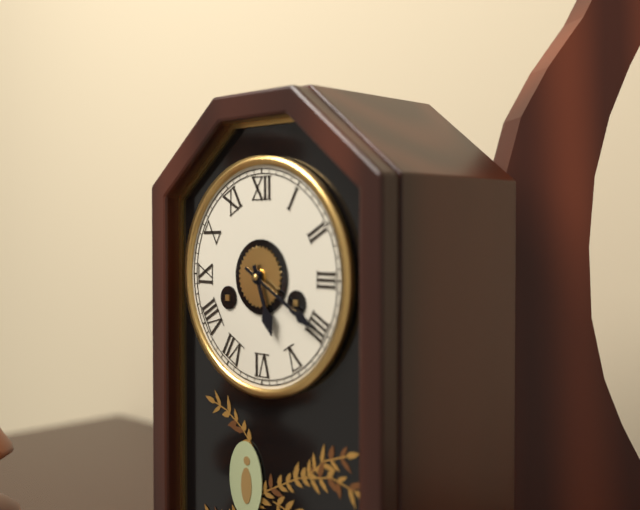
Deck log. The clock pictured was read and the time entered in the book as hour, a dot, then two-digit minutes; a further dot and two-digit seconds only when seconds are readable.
5.20
